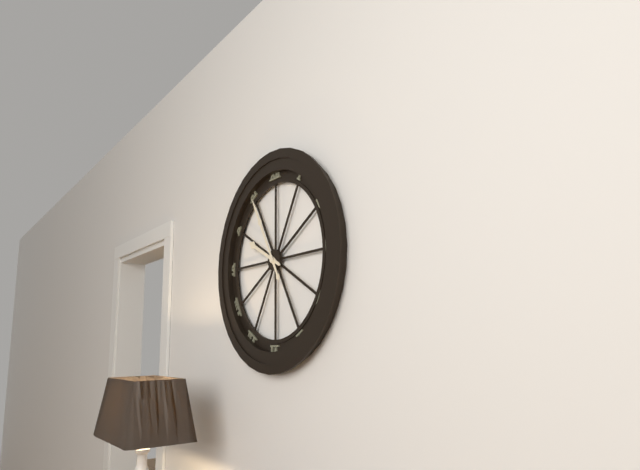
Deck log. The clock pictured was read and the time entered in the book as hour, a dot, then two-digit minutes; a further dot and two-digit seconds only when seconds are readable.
9.55
